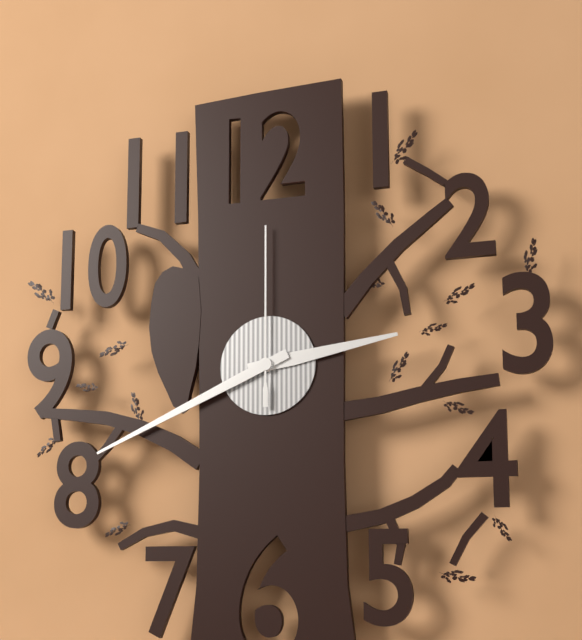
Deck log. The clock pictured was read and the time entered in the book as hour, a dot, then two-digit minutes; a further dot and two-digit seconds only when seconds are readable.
2.41.00
